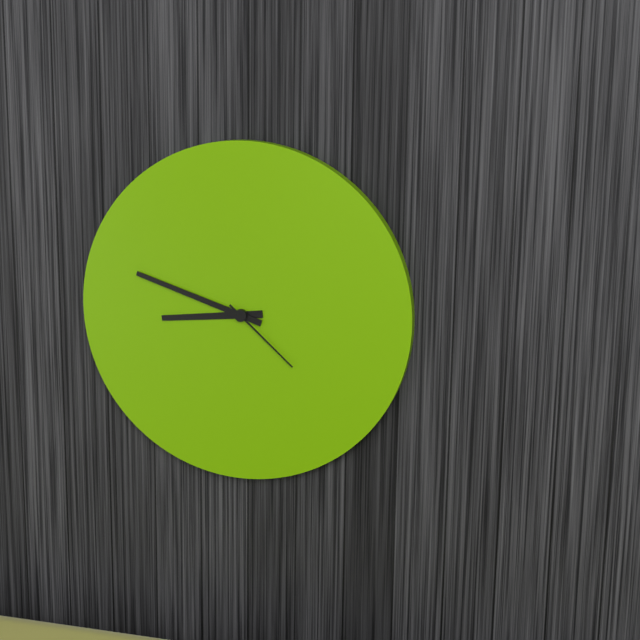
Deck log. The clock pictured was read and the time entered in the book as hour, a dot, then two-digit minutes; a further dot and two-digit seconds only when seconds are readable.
8.48.22
